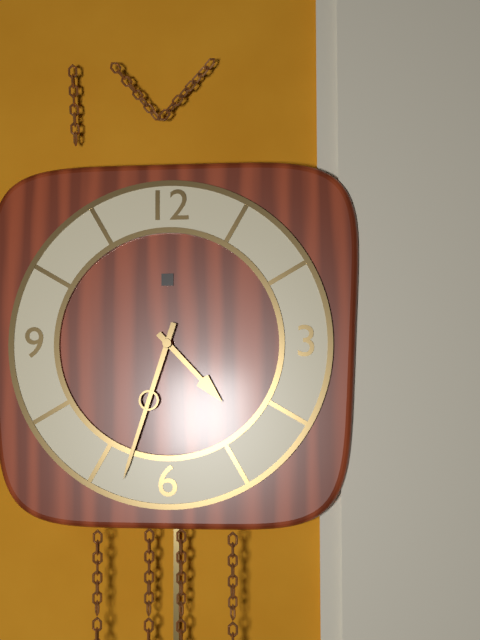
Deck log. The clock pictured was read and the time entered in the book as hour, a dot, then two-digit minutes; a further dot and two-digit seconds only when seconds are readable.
4.33
